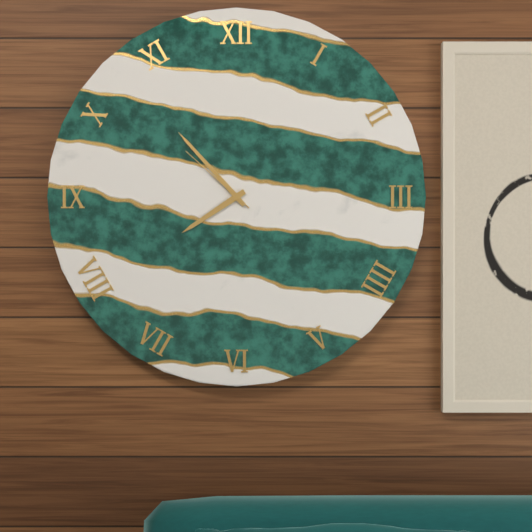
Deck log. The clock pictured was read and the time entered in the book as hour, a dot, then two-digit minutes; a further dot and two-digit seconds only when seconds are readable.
7.53.52
